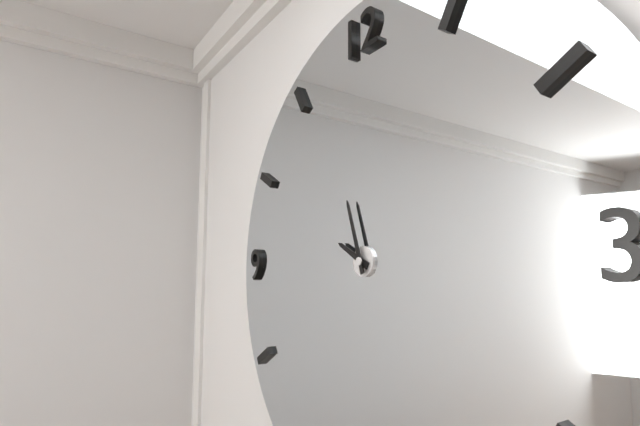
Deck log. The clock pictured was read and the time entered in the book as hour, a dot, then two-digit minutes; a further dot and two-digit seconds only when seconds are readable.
9.57
